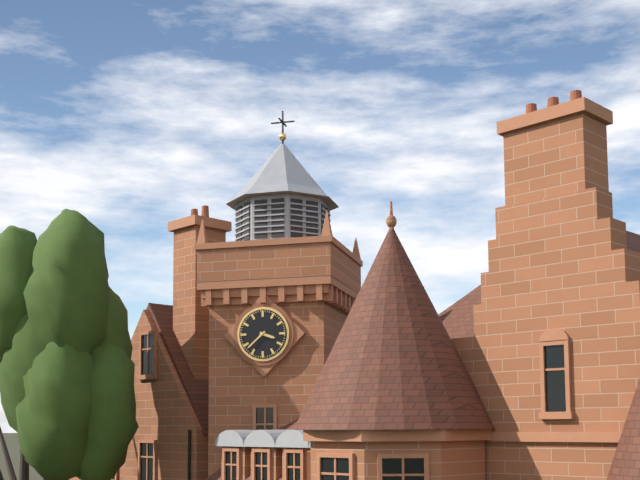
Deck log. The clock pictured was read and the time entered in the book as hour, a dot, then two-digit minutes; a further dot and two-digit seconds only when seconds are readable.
3.38
